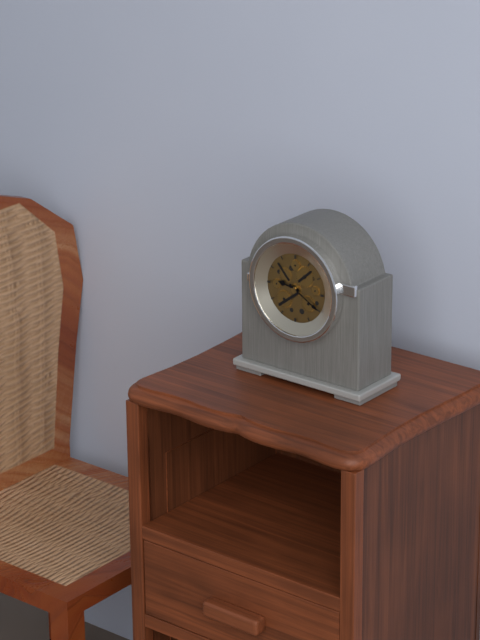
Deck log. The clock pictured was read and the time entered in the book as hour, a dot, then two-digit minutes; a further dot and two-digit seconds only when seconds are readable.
9.20
